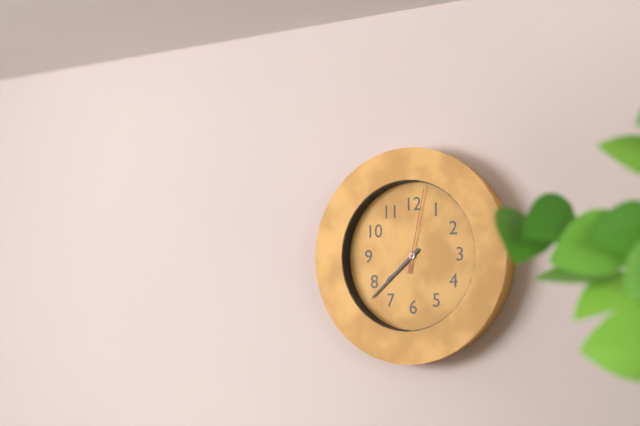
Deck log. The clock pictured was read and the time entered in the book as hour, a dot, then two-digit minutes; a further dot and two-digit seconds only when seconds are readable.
7.38.02
